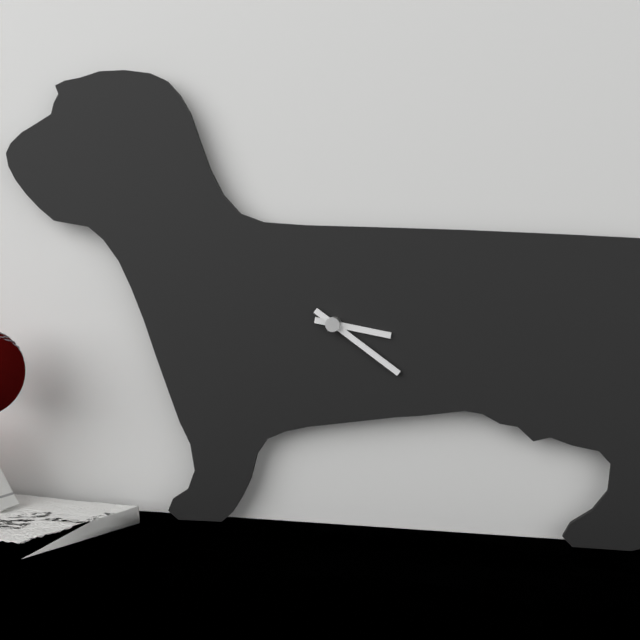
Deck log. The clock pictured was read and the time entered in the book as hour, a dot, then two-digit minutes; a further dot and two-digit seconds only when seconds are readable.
3.21
